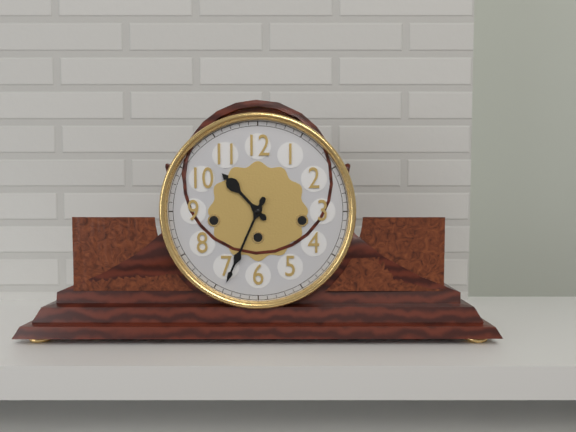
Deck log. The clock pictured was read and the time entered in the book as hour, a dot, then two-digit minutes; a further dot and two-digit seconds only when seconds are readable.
10.34
